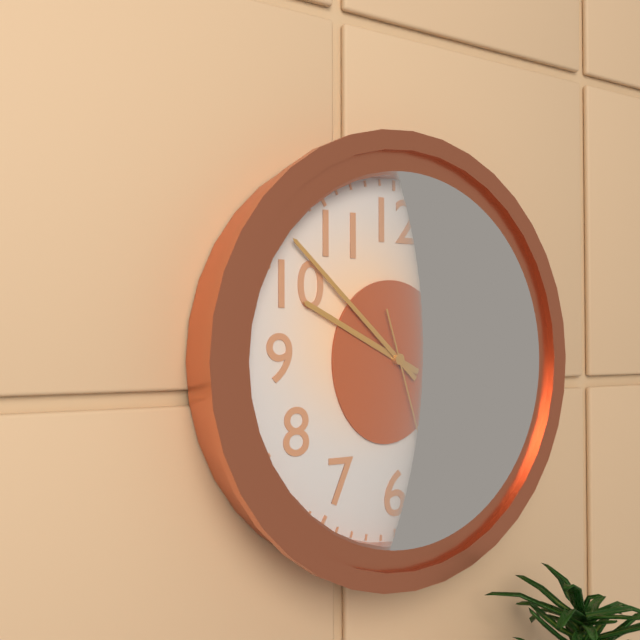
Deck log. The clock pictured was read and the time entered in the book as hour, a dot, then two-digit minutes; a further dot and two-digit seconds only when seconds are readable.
9.52.27
